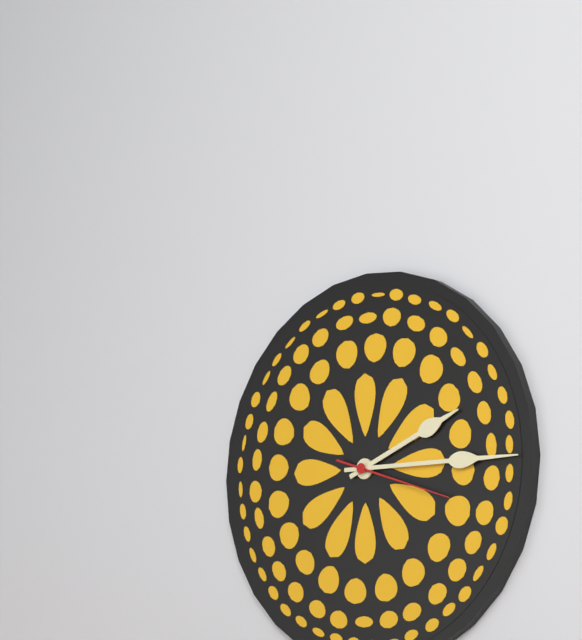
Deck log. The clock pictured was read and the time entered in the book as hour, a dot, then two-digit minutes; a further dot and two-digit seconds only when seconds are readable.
2.15.18
